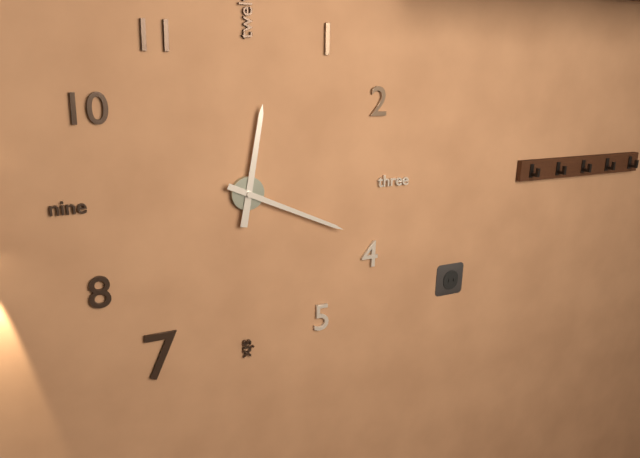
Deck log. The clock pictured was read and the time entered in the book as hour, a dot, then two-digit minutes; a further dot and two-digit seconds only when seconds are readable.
12.19
